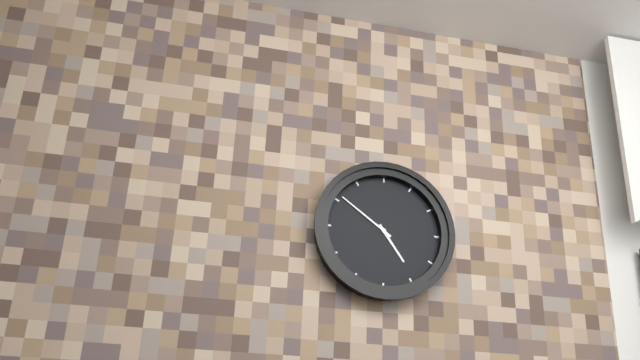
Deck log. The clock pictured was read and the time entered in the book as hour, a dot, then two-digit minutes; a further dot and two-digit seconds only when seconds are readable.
4.51
